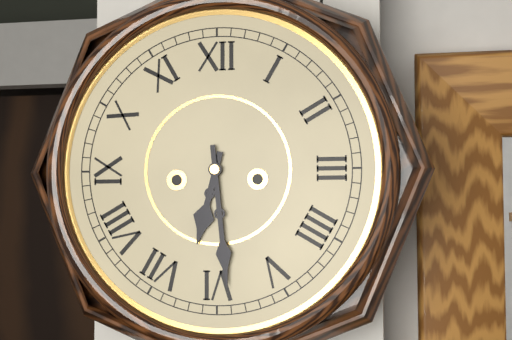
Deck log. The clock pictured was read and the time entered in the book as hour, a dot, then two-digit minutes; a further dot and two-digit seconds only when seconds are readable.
6.29
